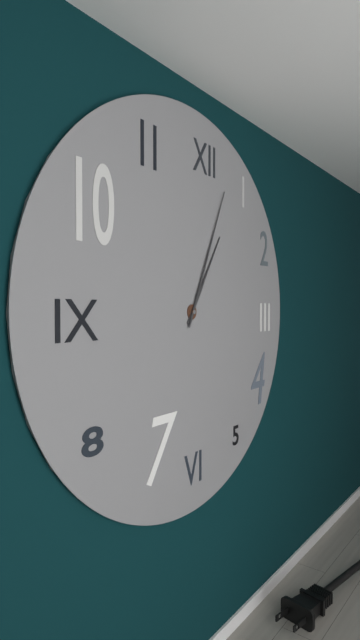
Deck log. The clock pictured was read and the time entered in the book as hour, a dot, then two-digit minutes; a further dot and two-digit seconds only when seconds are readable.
1.04
